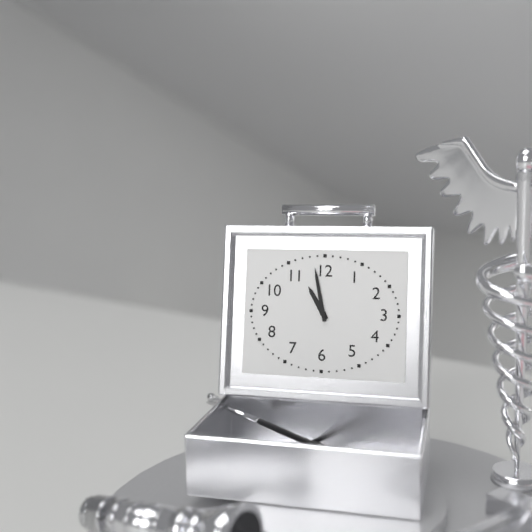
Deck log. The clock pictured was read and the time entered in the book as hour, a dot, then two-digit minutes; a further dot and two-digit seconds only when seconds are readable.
10.58
